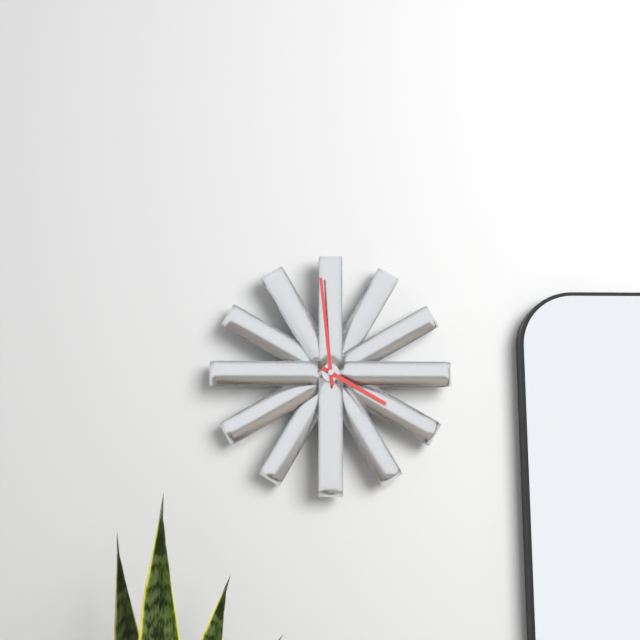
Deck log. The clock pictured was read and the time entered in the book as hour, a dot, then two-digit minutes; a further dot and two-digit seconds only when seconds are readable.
3.59
